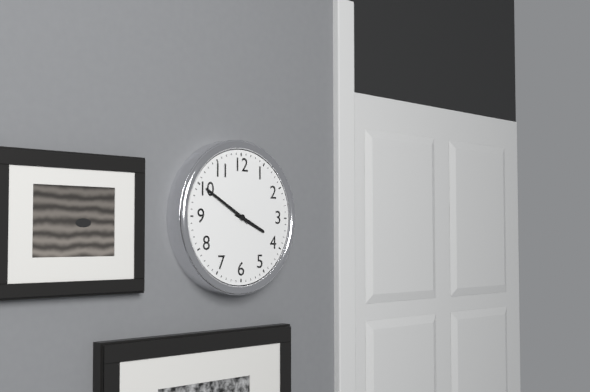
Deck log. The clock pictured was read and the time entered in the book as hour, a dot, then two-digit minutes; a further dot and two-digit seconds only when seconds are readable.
3.50
